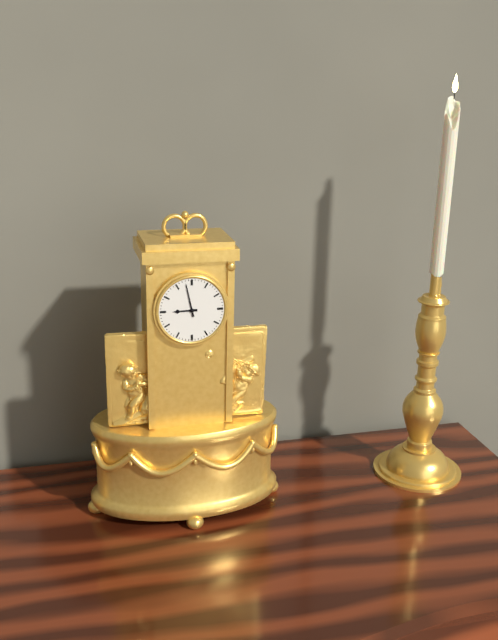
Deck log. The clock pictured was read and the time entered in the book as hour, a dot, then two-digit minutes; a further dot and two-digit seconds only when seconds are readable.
8.58
